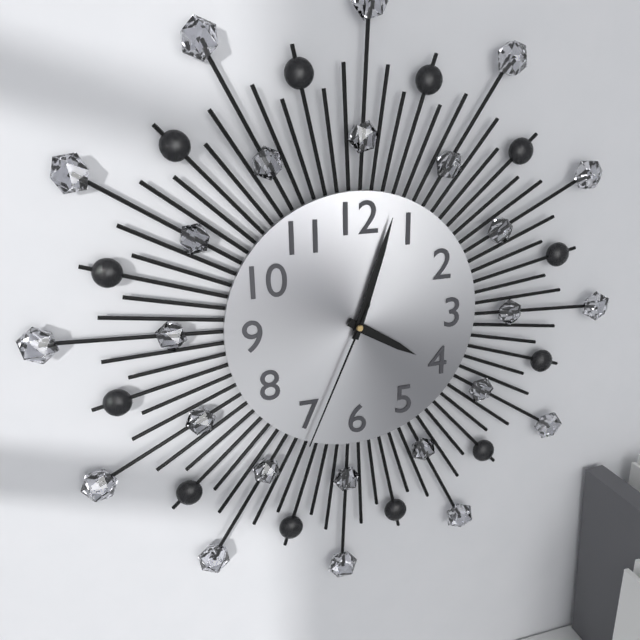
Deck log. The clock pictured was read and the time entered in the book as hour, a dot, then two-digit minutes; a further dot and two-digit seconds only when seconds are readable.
4.03.34
